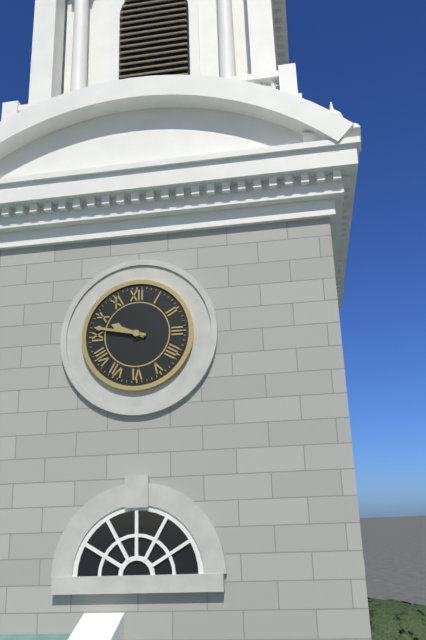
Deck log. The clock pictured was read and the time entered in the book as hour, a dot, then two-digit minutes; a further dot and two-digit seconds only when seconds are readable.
9.47
